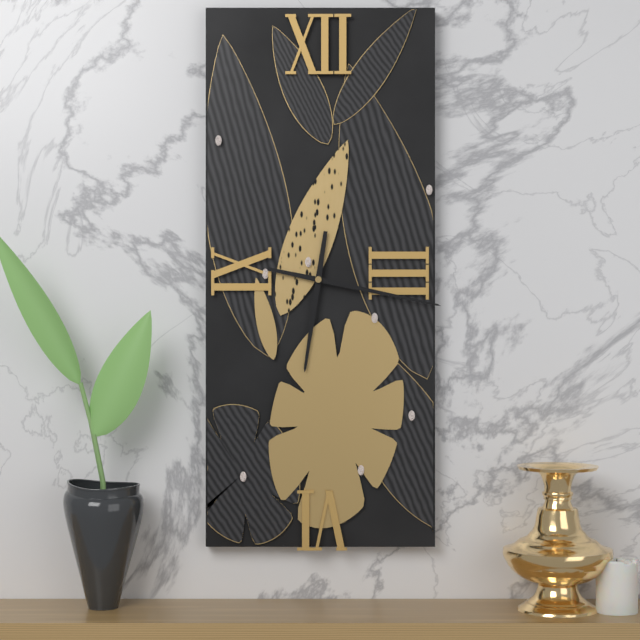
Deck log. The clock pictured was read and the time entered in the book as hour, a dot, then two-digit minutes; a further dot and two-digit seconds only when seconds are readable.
6.17
